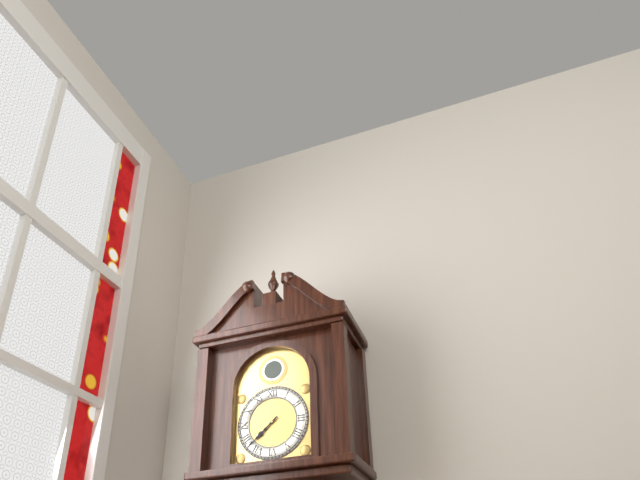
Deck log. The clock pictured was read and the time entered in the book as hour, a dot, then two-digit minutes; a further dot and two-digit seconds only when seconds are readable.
7.38
